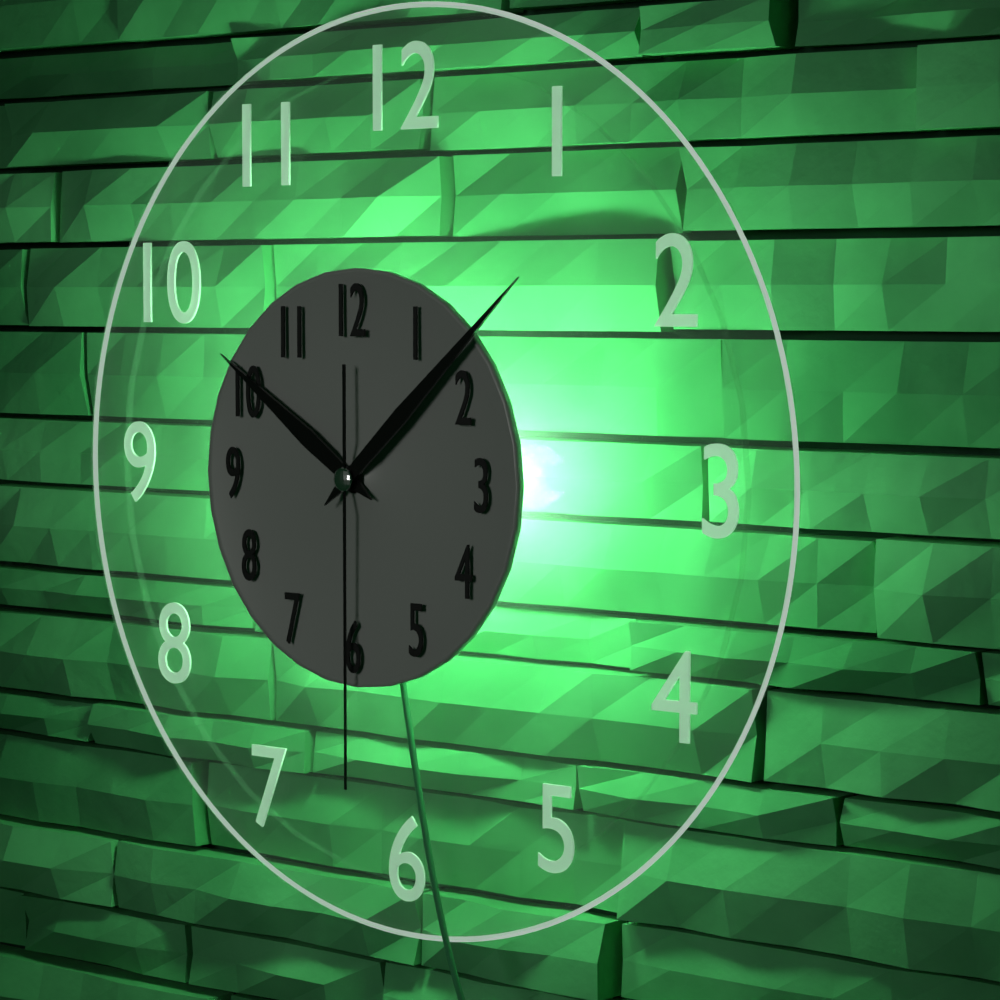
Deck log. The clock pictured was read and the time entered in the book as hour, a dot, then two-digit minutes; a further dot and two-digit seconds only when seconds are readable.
10.08.30
